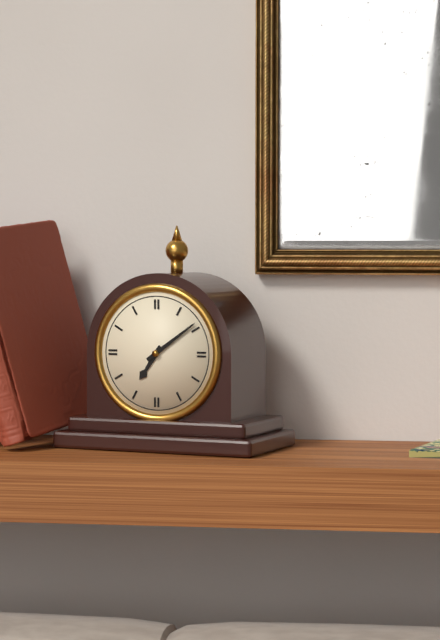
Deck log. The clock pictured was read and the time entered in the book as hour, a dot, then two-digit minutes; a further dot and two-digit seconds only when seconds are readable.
7.09
